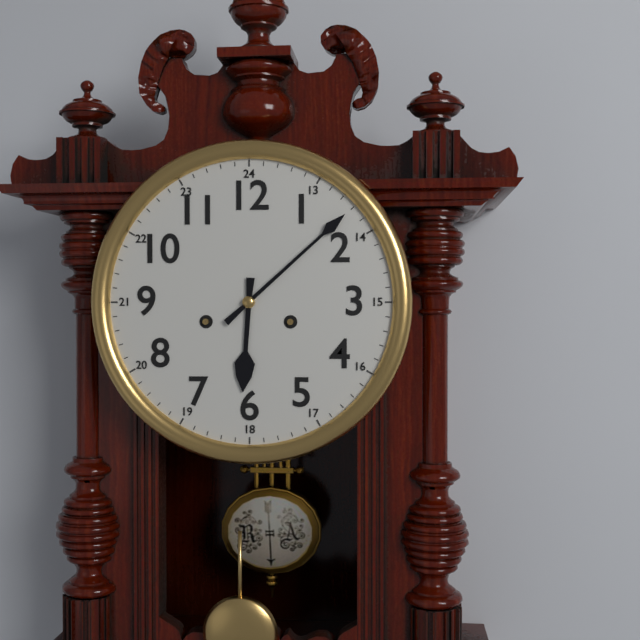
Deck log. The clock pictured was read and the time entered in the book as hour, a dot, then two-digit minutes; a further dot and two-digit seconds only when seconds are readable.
6.08
